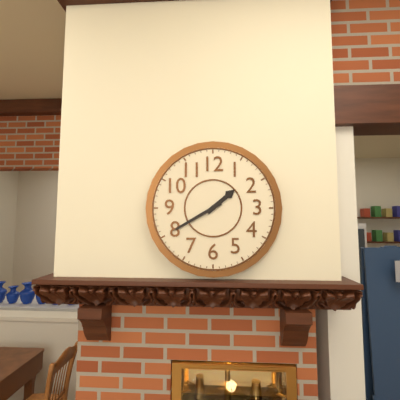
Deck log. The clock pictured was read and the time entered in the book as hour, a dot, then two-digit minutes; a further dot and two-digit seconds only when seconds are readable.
1.40
